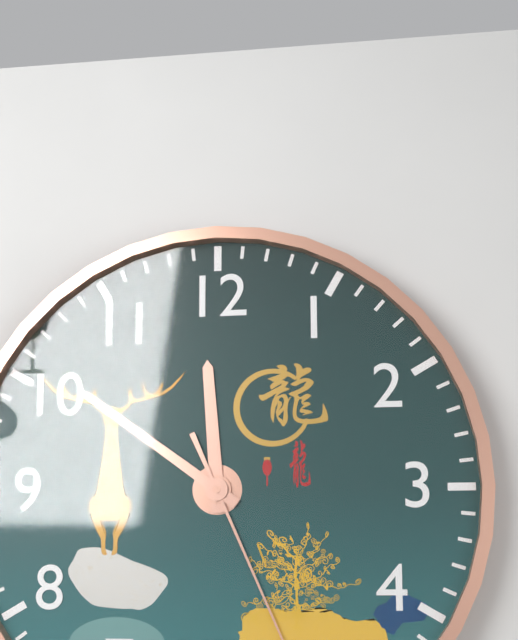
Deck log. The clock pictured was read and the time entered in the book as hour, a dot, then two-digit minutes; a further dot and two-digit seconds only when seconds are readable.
11.51
